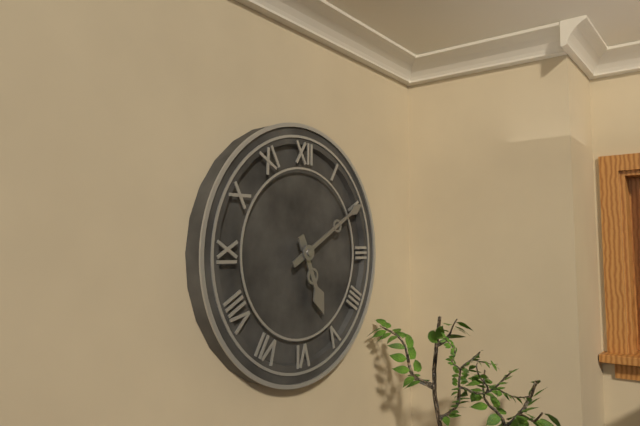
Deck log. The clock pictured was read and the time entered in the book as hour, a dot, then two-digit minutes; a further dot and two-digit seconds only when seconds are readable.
5.10
